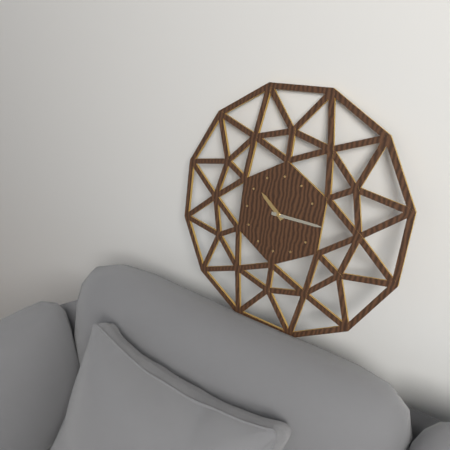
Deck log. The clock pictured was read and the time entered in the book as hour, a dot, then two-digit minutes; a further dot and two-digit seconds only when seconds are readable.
10.15
